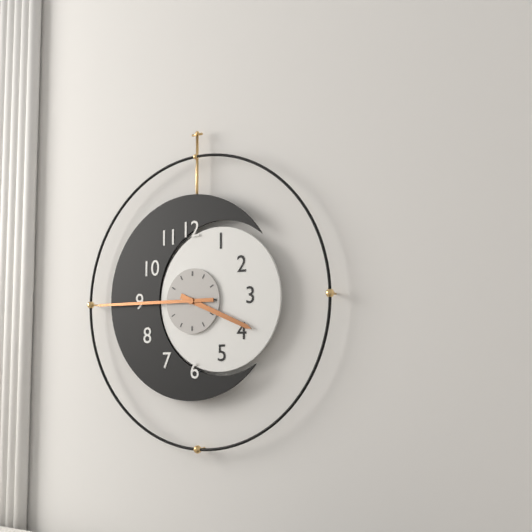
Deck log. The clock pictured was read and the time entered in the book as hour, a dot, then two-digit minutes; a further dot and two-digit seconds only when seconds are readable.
3.45
